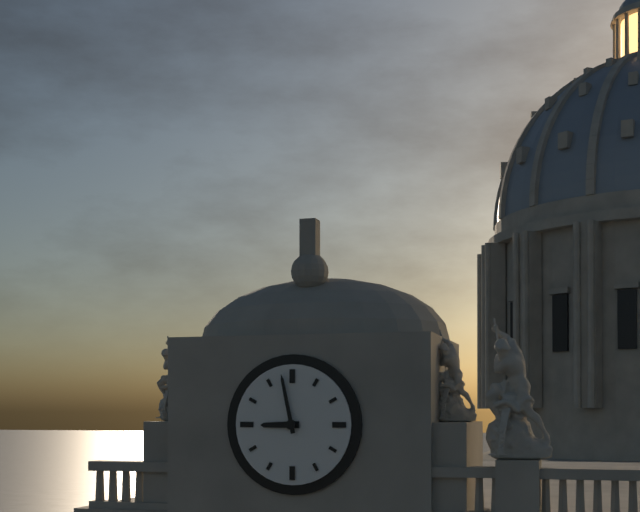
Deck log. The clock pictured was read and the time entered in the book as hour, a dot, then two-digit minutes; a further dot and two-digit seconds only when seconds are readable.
8.58
